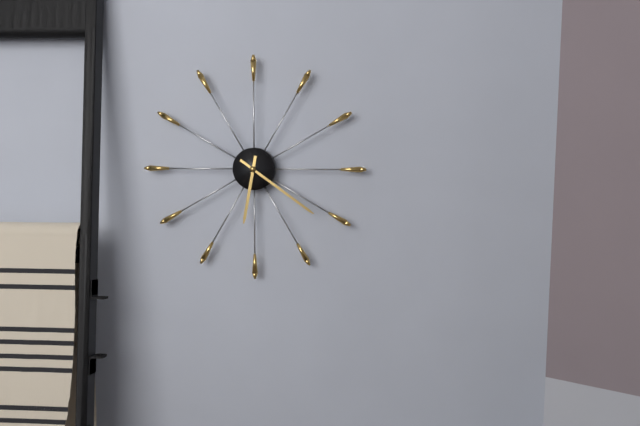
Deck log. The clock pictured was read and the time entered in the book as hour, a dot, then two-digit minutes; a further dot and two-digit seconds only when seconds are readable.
6.21
